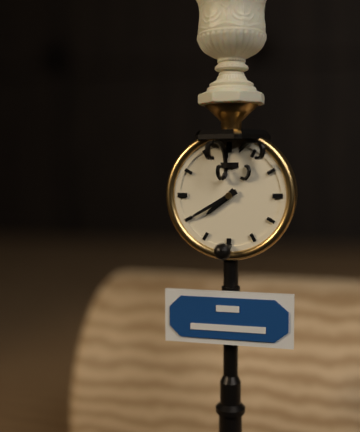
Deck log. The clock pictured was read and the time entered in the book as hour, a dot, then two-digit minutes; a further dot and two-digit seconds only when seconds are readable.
7.40
